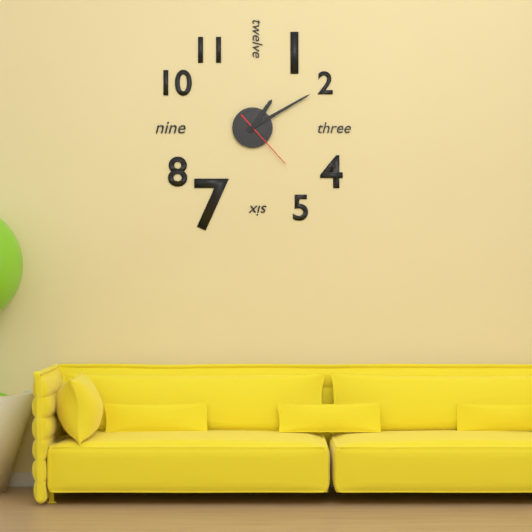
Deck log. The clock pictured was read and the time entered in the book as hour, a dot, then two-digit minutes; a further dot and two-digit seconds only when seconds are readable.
1.10.23
